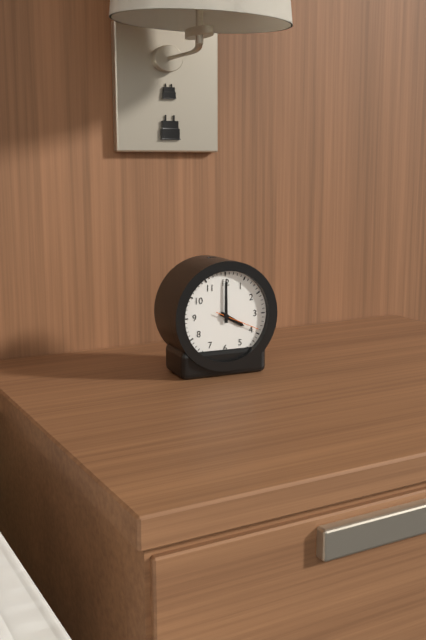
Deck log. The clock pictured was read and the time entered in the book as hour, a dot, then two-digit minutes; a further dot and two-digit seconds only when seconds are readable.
4.00
